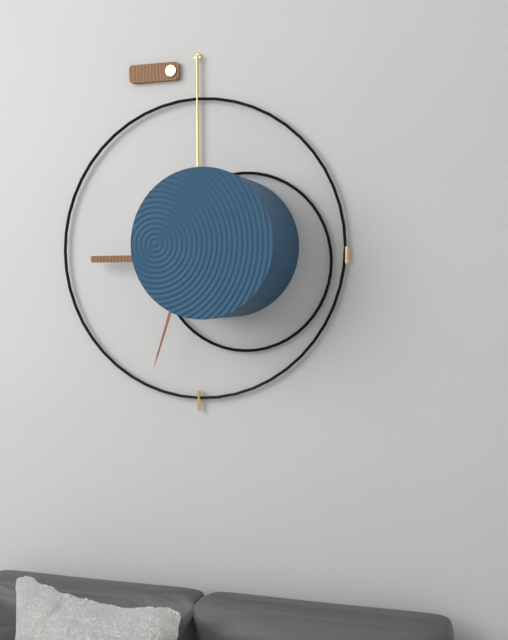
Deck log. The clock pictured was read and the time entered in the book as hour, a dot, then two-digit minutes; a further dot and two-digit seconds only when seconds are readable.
2.33
